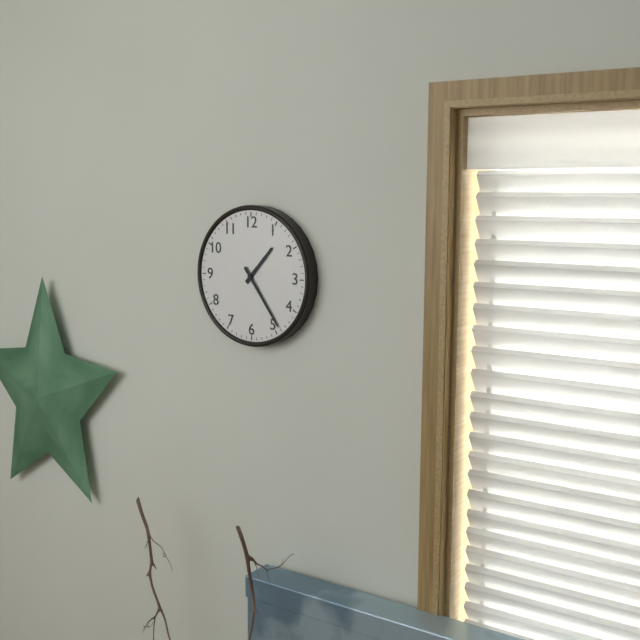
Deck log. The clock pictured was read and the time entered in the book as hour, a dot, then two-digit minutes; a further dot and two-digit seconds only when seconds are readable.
1.24
